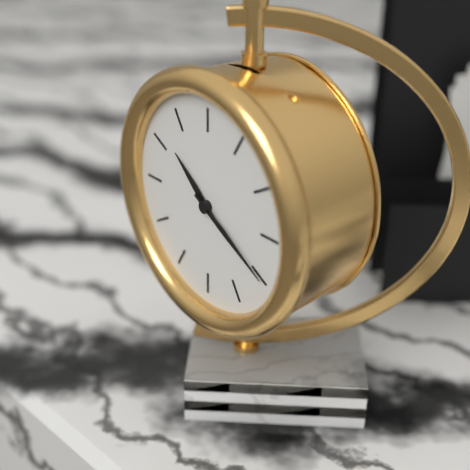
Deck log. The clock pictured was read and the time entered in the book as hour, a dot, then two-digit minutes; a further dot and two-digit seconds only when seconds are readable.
10.20
